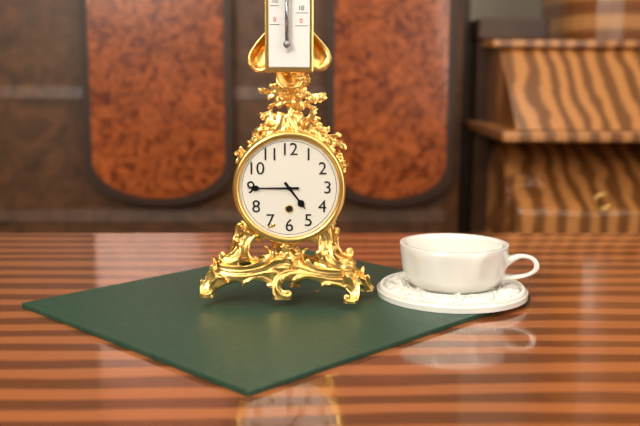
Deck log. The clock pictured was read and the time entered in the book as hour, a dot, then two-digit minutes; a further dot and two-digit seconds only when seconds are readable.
4.45
